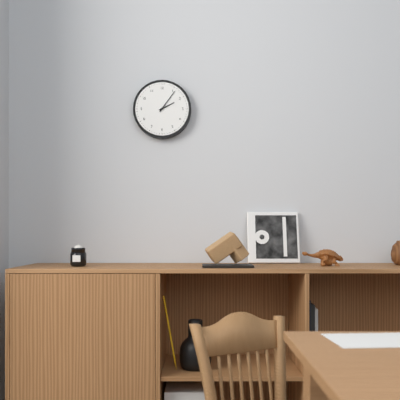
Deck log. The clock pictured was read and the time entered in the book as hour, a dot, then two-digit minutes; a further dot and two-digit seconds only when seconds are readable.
2.06
